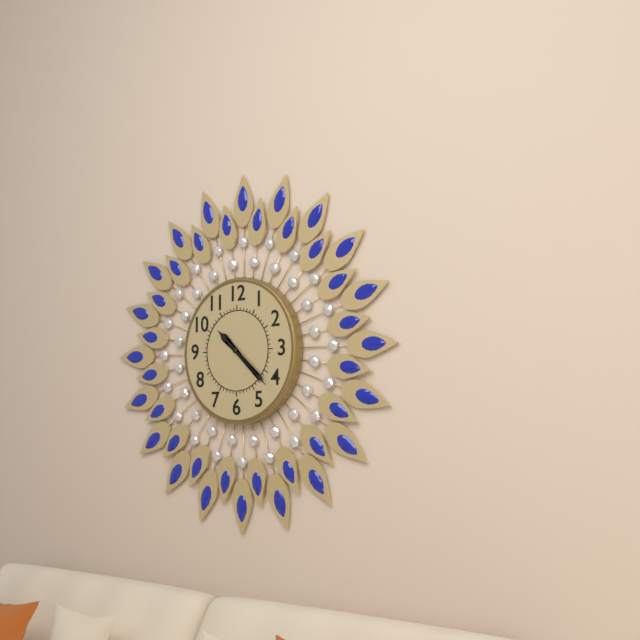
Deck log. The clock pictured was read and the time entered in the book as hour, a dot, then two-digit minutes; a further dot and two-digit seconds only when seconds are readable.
10.22
